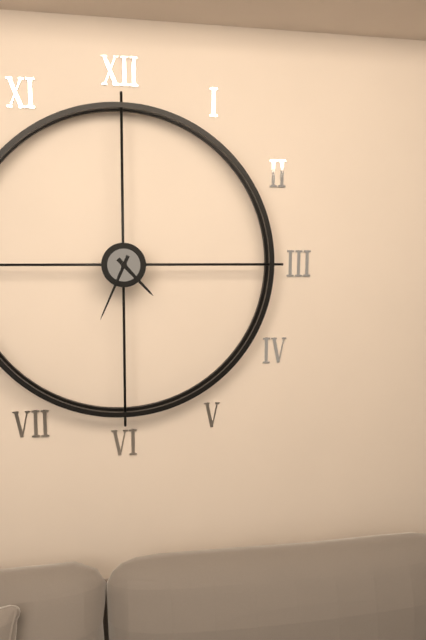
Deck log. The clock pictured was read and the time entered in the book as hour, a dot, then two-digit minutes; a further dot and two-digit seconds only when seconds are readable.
4.34
